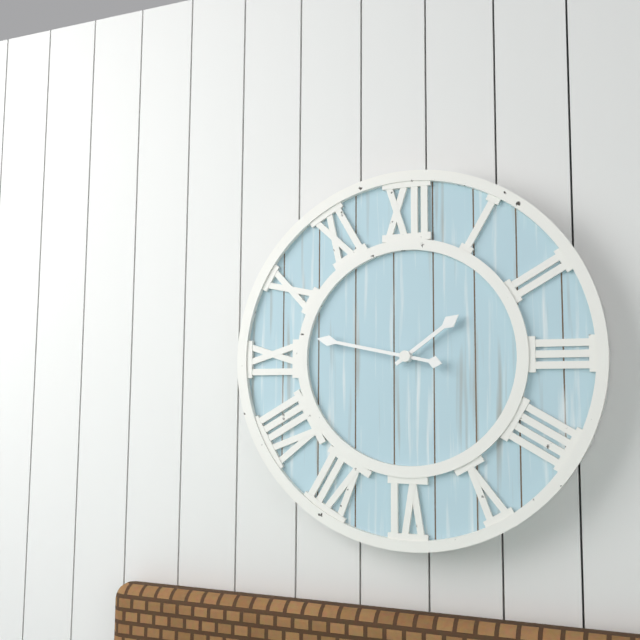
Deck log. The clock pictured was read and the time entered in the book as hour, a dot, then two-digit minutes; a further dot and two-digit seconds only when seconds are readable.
1.47
